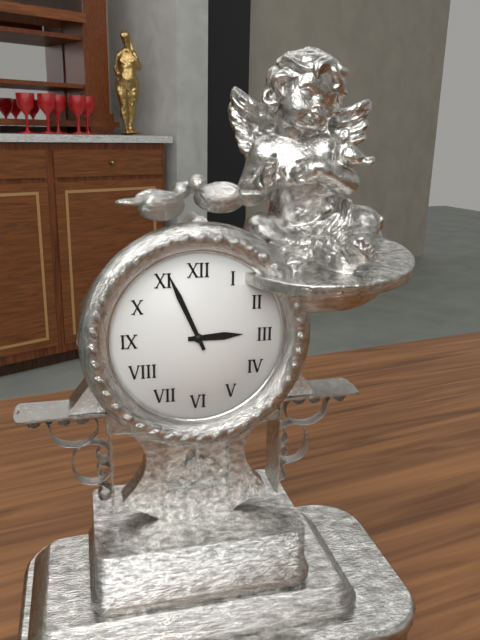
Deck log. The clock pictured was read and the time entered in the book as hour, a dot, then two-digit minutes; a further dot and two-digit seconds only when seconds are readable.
2.56
